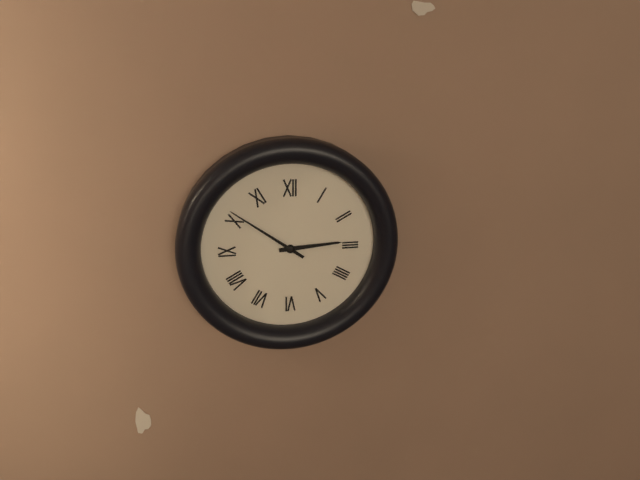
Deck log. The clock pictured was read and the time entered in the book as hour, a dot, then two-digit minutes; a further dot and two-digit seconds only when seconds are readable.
2.51
